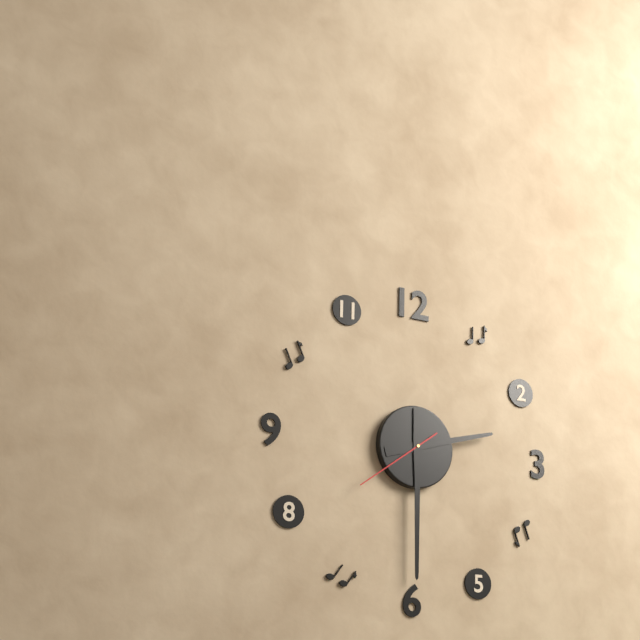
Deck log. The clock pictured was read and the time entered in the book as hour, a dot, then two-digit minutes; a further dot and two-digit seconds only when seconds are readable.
2.30.39
